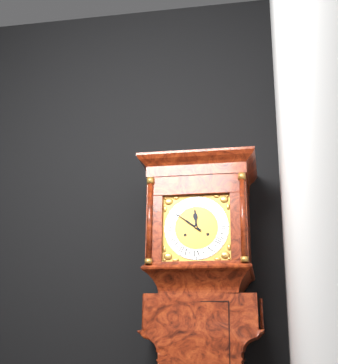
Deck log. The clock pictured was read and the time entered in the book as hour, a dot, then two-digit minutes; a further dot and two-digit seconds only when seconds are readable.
11.51
